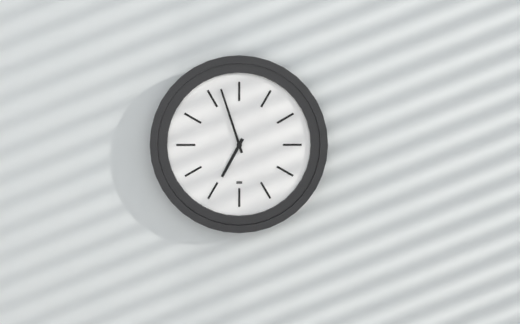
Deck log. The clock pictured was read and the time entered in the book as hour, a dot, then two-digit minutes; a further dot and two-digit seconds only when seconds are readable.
6.57
